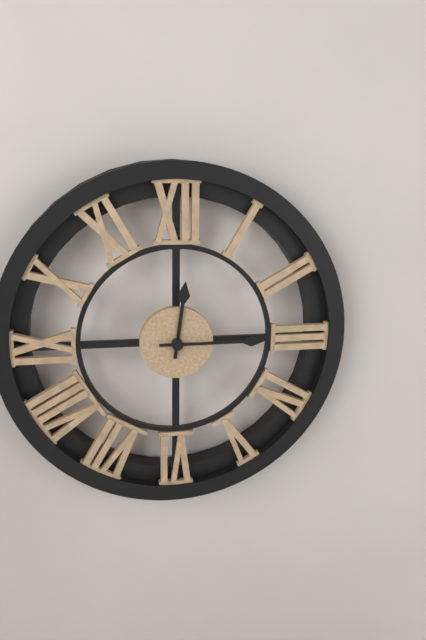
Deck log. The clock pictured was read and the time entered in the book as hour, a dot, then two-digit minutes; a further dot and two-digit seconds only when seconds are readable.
12.15
